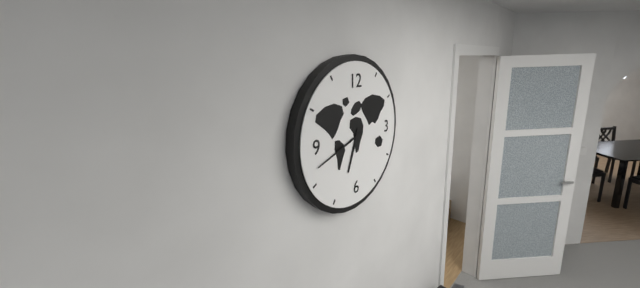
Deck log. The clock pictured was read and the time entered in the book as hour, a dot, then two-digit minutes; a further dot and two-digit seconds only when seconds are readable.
6.42
